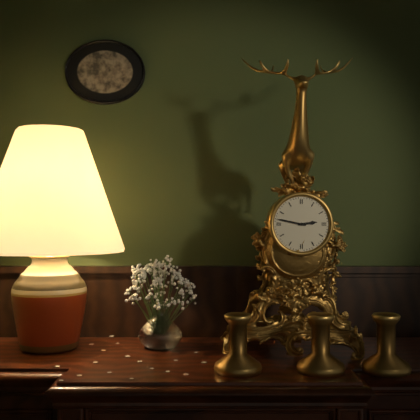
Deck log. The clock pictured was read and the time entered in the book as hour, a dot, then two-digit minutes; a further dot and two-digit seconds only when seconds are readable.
2.47
